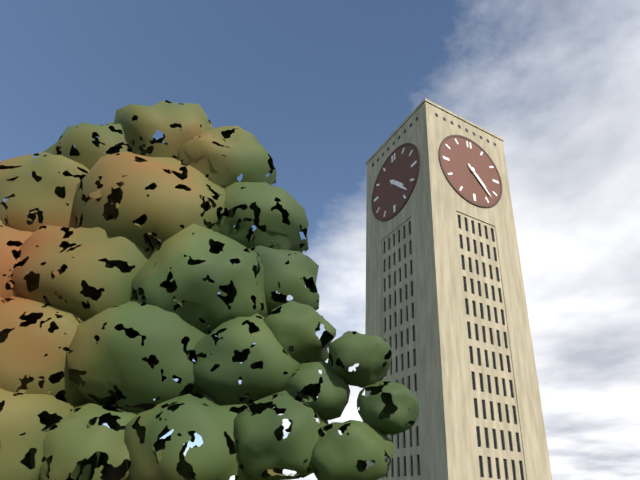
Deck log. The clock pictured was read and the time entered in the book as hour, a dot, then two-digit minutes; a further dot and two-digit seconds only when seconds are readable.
4.23
